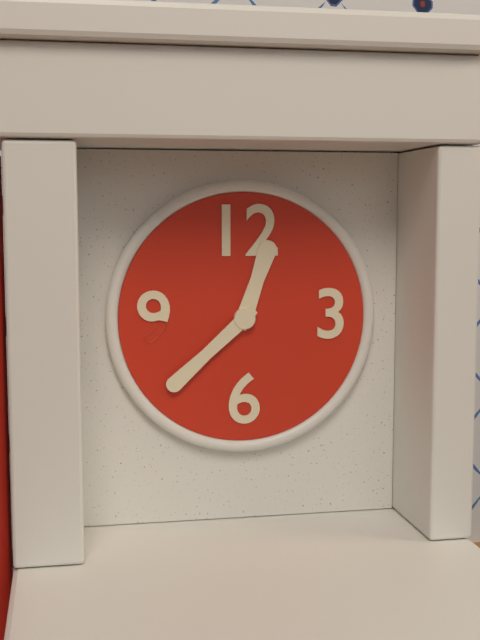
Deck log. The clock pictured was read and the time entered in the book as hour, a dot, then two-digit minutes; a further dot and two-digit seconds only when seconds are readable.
12.38
